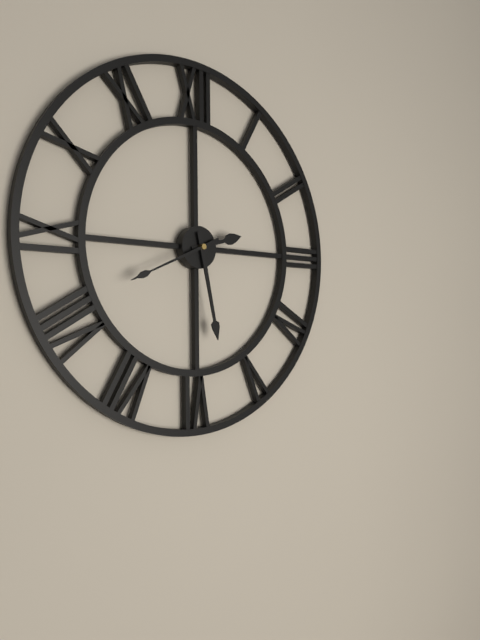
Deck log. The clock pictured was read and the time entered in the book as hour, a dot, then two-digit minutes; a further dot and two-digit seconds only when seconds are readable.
2.28.41
